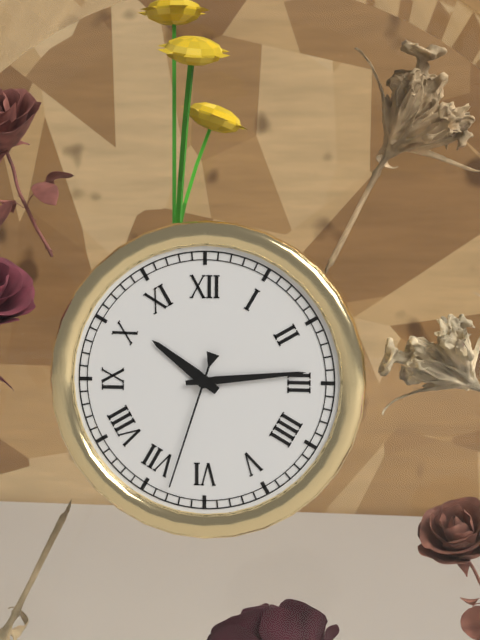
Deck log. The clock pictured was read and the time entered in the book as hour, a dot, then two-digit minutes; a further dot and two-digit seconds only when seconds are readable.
10.14.33
